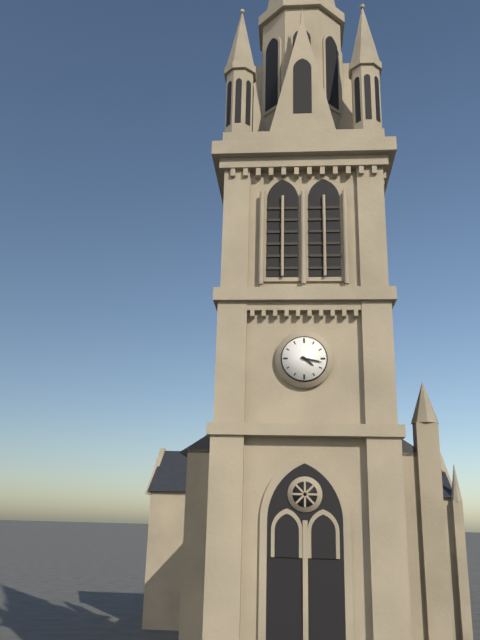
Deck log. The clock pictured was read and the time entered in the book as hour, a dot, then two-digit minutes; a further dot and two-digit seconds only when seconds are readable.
4.17
